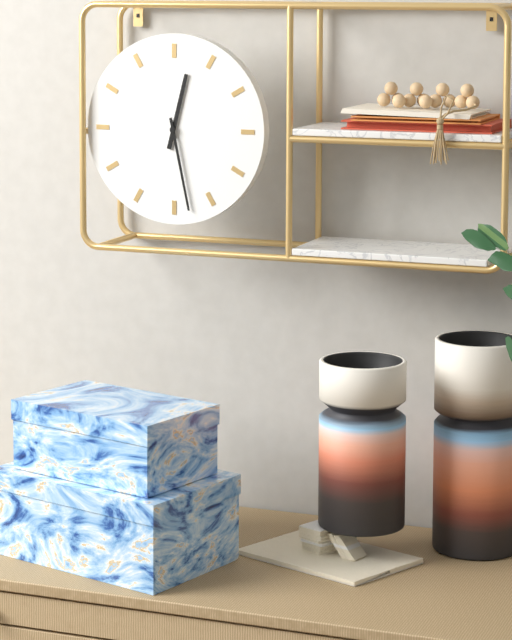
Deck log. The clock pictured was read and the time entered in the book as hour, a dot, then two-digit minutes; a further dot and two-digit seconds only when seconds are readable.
12.28
